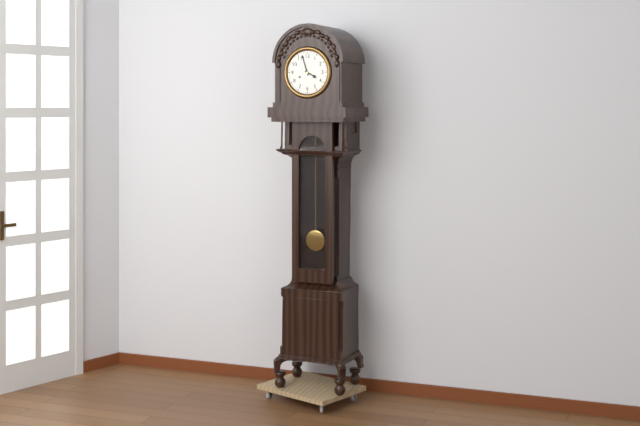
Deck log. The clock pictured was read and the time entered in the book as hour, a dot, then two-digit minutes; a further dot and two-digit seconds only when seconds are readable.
3.57
